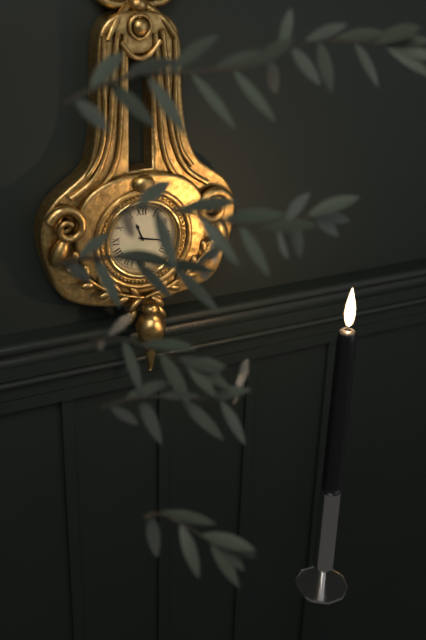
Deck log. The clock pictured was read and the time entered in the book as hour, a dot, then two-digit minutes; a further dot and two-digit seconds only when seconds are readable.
11.17
